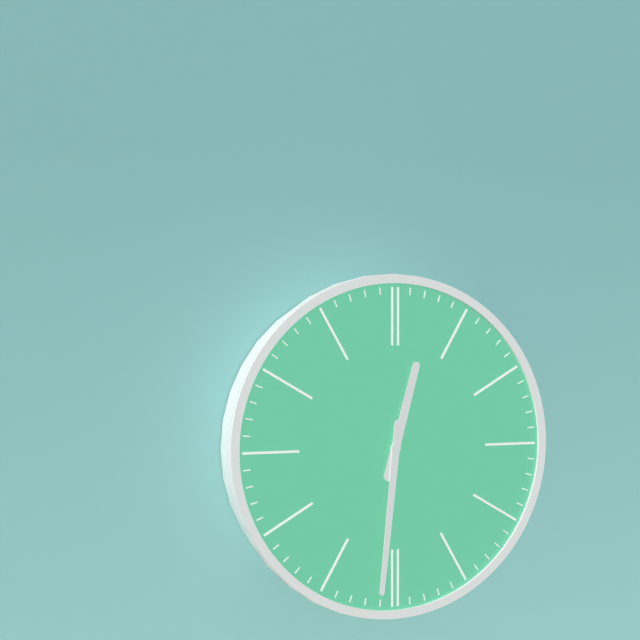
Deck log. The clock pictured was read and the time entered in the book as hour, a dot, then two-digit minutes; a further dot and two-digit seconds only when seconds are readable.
12.31
